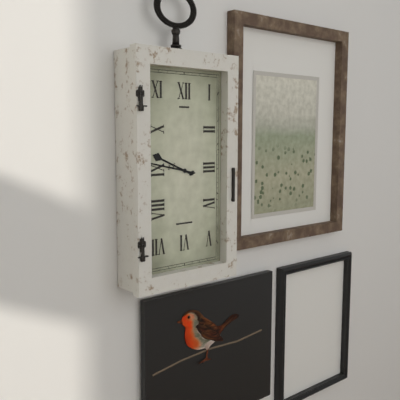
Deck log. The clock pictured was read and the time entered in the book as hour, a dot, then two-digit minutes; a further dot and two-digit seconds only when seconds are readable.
9.47
